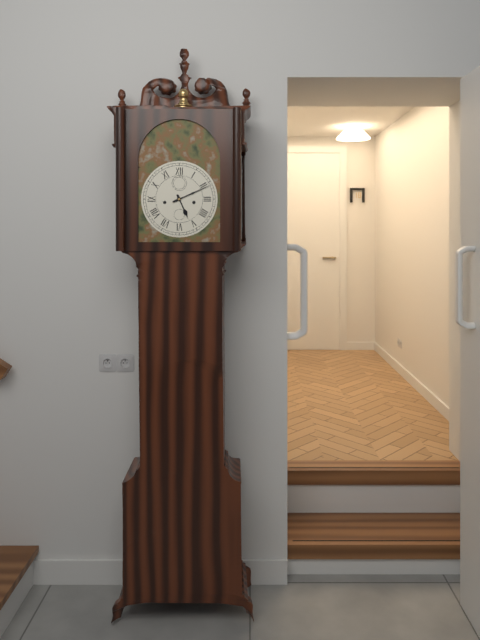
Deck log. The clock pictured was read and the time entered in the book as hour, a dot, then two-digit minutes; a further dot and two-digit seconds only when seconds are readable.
5.11
